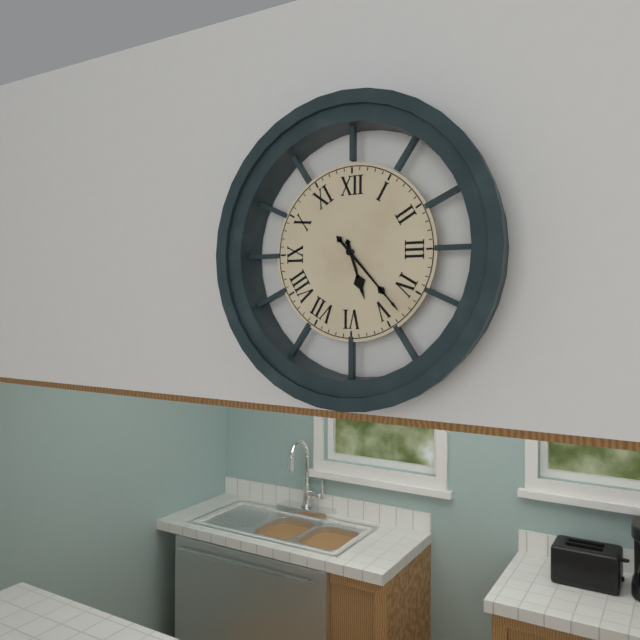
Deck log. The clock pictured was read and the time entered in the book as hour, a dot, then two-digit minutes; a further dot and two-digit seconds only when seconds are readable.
5.23
